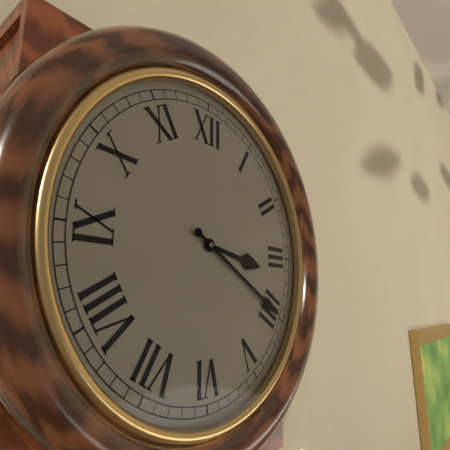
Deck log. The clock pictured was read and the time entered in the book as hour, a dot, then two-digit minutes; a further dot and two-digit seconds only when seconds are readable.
3.20
